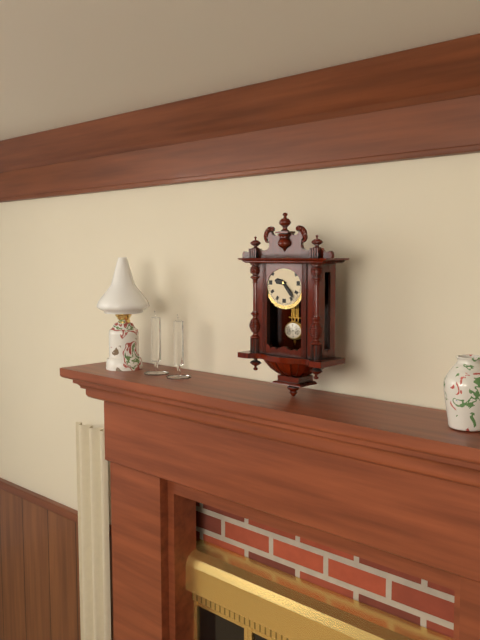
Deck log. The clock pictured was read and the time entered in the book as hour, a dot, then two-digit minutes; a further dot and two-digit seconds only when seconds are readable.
9.23
